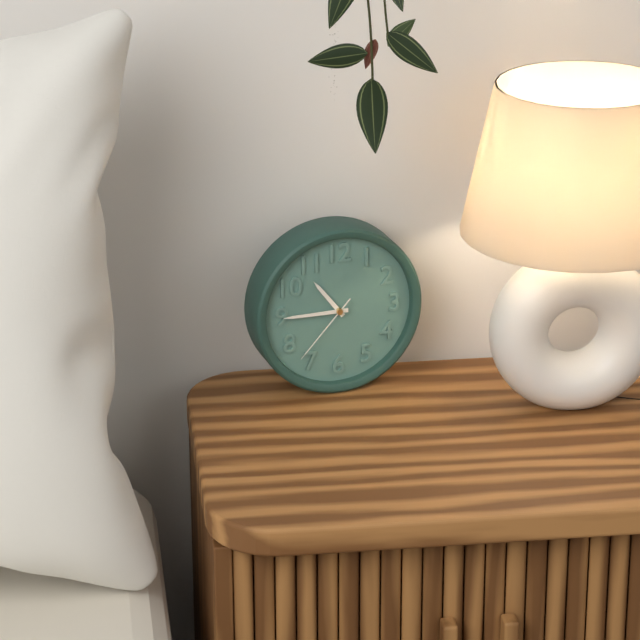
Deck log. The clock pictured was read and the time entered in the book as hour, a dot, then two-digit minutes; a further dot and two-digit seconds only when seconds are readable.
10.45.37
